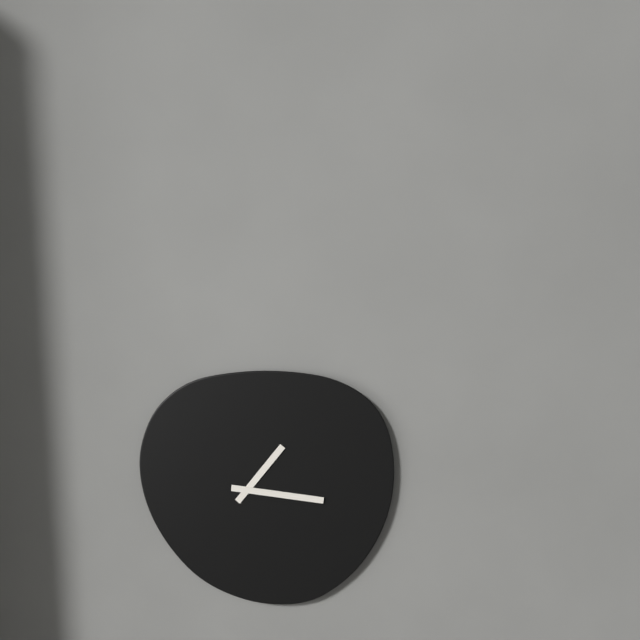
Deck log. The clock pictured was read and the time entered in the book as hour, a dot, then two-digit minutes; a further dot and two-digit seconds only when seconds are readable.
1.16
